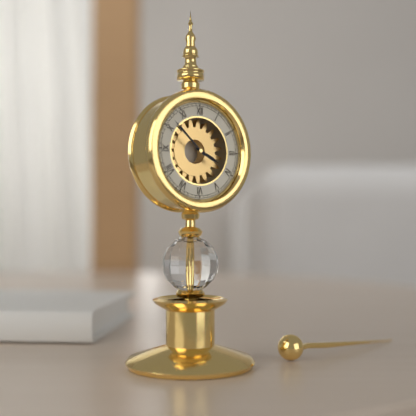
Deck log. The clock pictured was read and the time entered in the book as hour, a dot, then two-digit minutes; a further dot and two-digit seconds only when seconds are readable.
3.52
